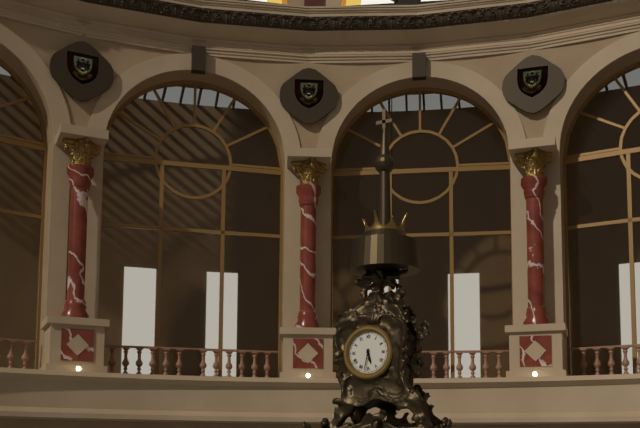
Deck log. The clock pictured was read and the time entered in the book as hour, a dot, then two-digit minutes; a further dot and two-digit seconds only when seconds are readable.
5.32
